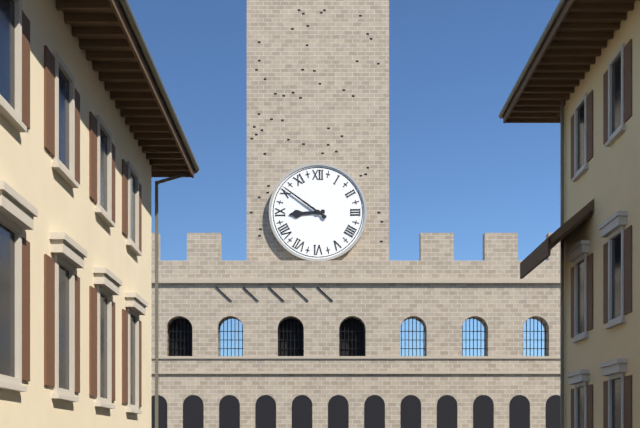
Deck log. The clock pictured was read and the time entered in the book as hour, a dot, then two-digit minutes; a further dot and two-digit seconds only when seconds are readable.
8.51
